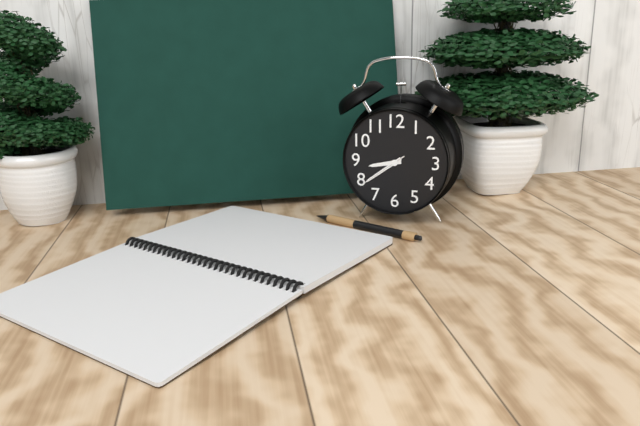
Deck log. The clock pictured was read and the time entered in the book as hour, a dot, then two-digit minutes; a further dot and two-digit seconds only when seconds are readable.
8.39.39
